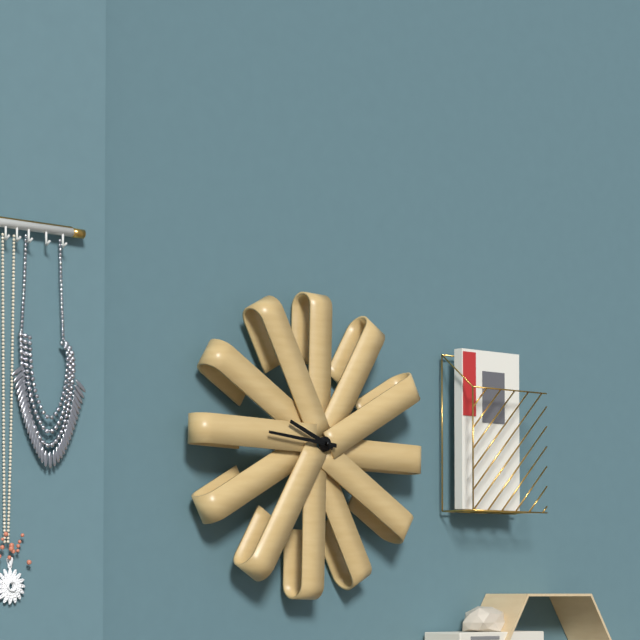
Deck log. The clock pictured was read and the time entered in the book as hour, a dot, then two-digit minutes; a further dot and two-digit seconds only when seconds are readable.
9.46
